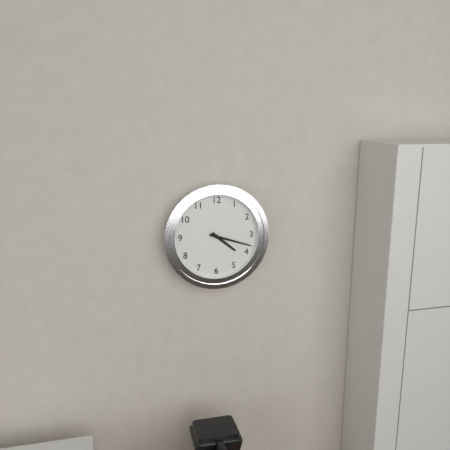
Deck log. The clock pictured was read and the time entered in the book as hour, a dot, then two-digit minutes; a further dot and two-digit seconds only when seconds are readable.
4.18
